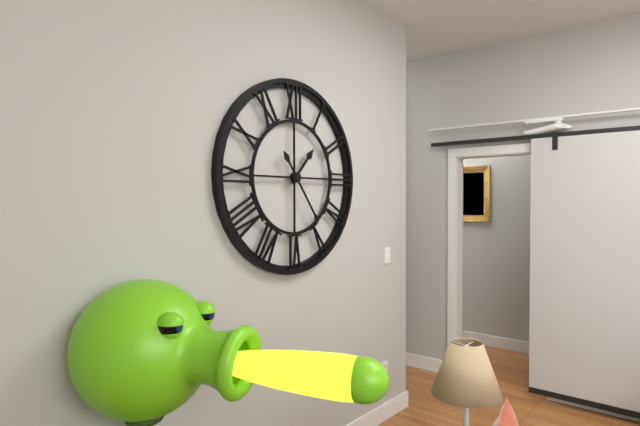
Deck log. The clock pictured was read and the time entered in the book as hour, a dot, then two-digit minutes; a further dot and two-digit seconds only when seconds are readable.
1.24
